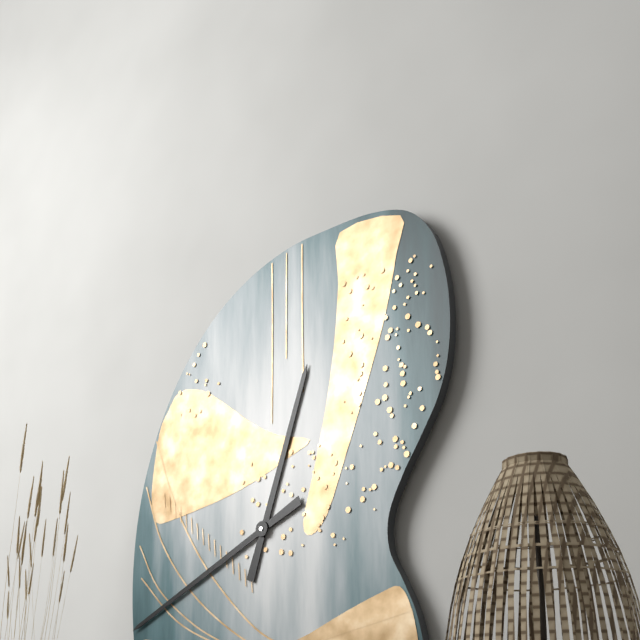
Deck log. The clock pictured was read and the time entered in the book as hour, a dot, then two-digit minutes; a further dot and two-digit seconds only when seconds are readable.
12.41
